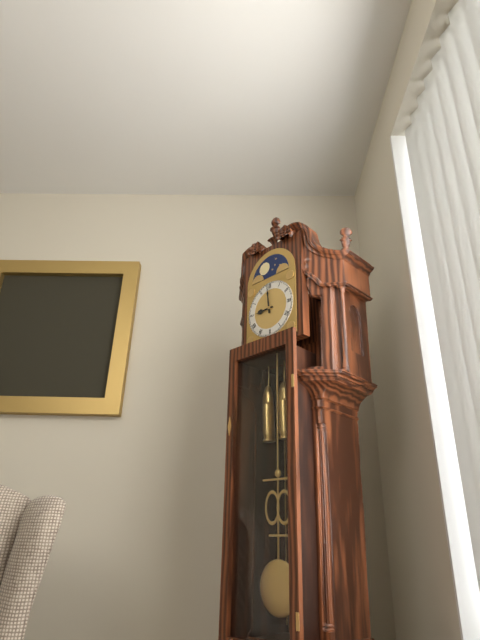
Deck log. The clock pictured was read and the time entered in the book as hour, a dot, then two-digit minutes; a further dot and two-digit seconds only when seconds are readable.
8.59
